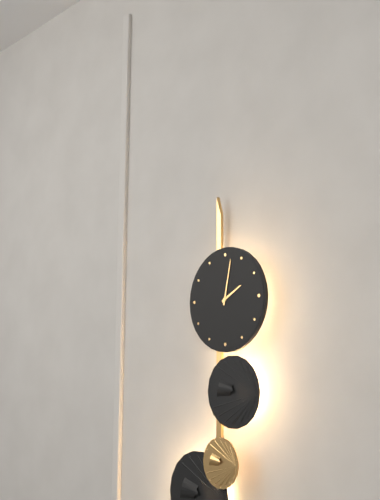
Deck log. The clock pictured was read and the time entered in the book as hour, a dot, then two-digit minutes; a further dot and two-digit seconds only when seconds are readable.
2.02
